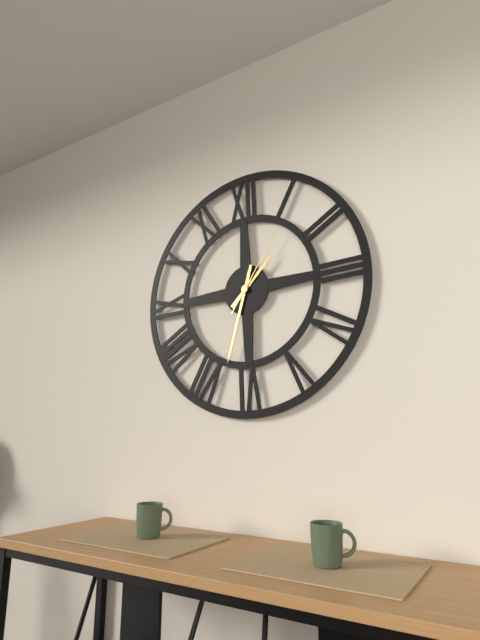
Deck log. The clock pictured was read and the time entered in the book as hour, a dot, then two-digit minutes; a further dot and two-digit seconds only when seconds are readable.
1.33.06
